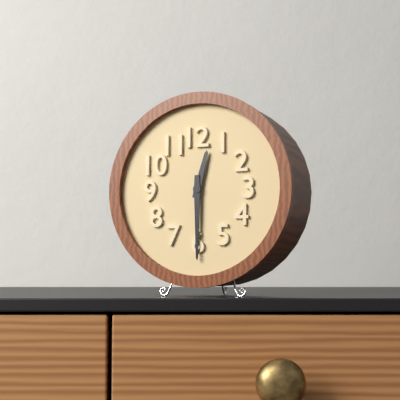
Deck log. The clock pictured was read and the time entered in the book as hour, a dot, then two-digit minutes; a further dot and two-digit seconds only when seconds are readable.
12.30
